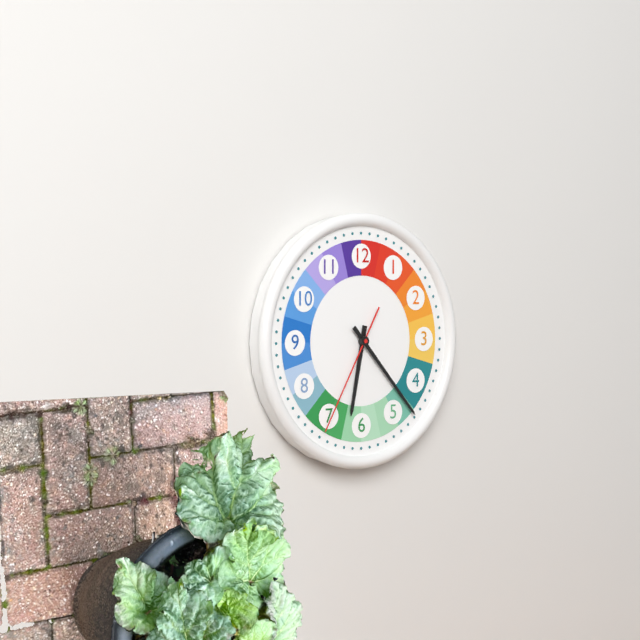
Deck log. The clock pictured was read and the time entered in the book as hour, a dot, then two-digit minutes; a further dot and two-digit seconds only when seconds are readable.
6.23.35
